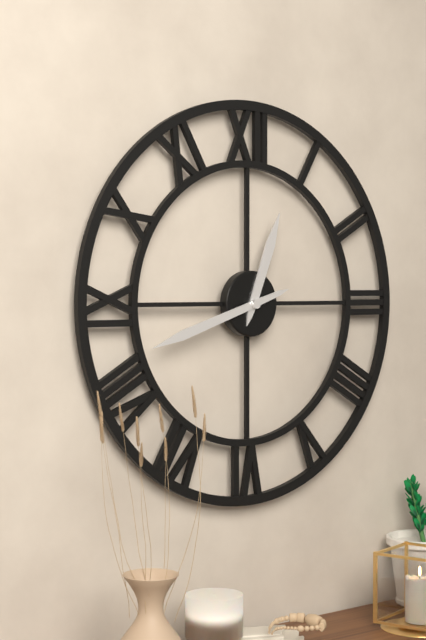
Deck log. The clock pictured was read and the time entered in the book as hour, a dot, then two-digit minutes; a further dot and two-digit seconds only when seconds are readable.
12.42
